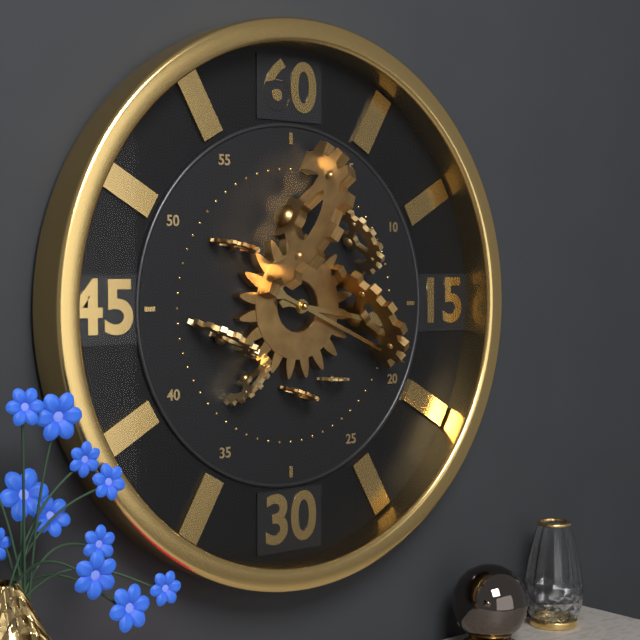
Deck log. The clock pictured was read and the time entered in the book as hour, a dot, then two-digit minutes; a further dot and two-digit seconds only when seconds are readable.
3.19
